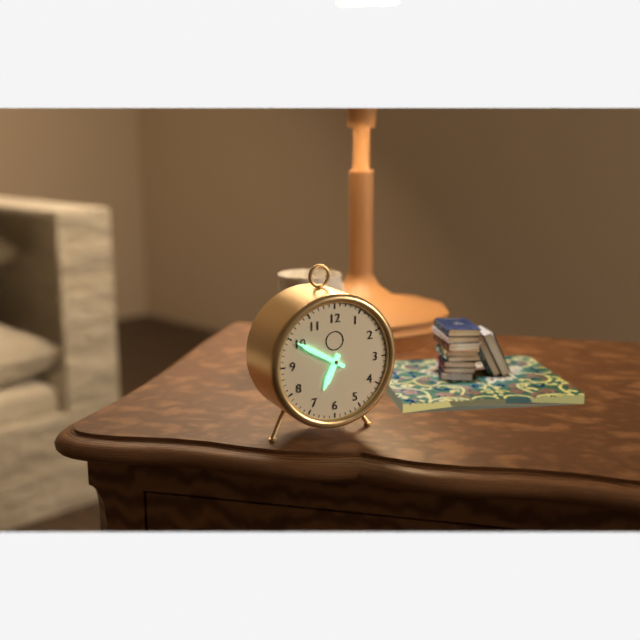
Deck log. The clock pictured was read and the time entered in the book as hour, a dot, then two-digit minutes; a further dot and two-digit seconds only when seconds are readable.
6.50
